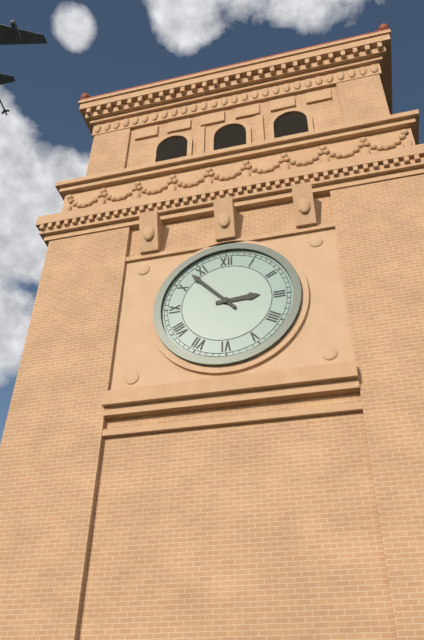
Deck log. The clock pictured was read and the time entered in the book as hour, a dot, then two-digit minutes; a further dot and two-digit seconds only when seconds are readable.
2.53
